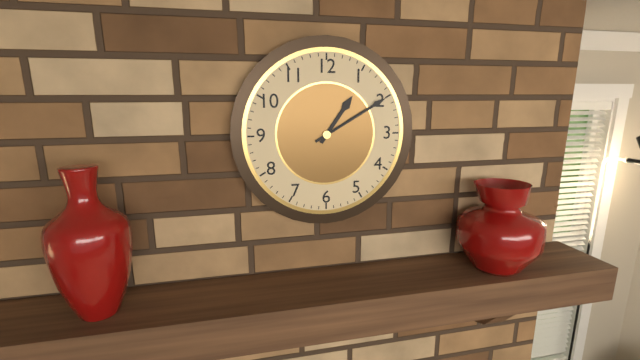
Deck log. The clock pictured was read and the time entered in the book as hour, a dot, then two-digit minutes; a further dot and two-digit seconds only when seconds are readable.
1.10
